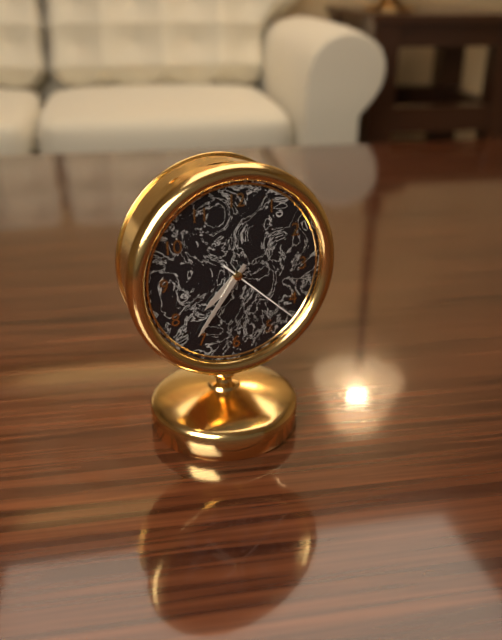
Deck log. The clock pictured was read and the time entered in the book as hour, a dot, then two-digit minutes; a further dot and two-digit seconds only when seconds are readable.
7.36.22
